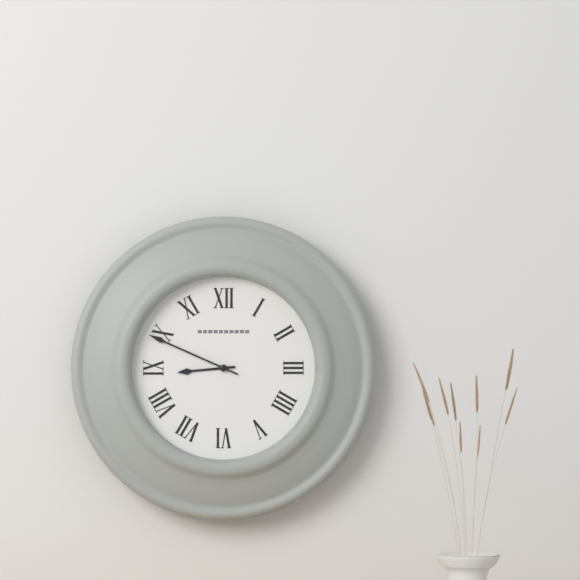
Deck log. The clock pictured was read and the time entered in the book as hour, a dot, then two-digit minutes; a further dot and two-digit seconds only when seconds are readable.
8.49
